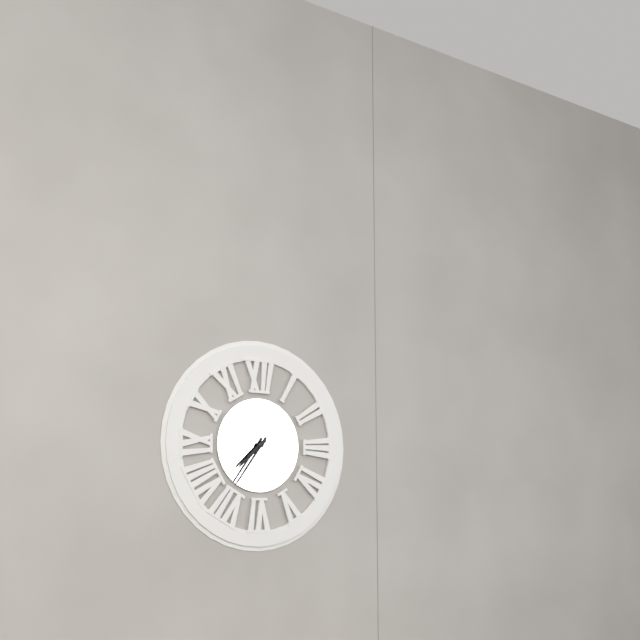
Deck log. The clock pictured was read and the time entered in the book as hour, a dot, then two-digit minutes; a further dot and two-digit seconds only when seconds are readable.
7.36
